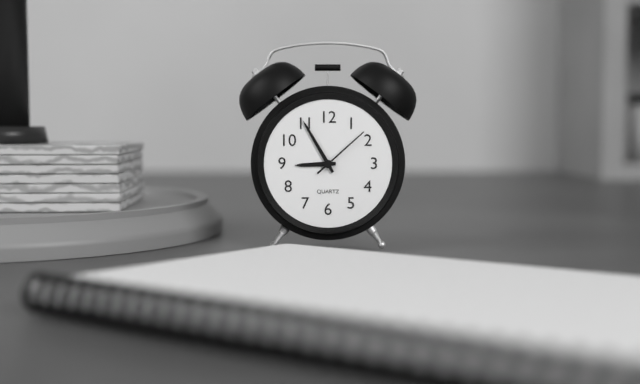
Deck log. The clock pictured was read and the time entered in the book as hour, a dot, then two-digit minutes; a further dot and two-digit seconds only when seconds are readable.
8.55.08
